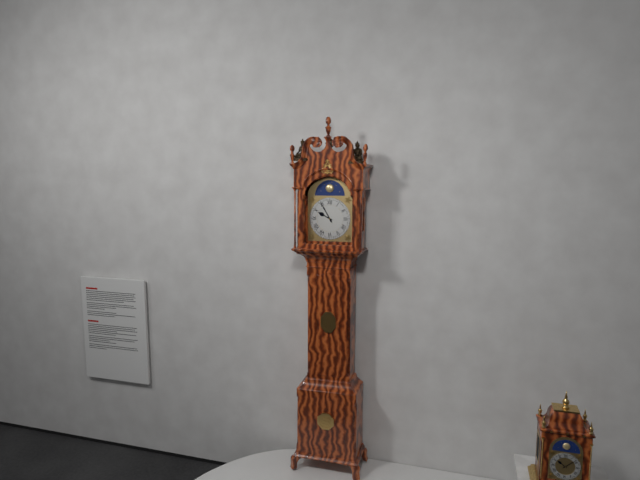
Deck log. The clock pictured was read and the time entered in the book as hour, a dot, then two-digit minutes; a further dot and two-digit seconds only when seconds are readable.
9.55
